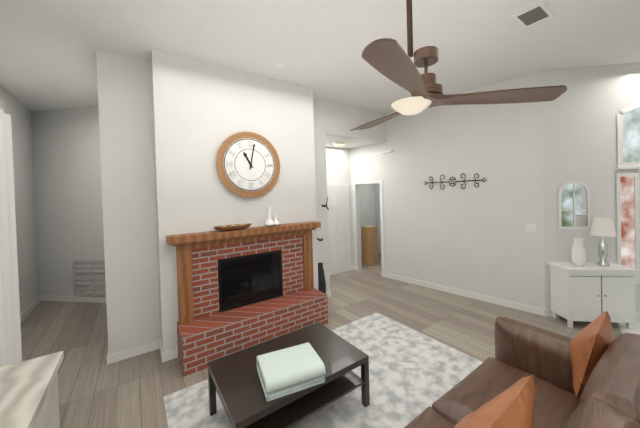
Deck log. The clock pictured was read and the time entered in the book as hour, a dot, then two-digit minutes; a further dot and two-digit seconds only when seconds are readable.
11.02
